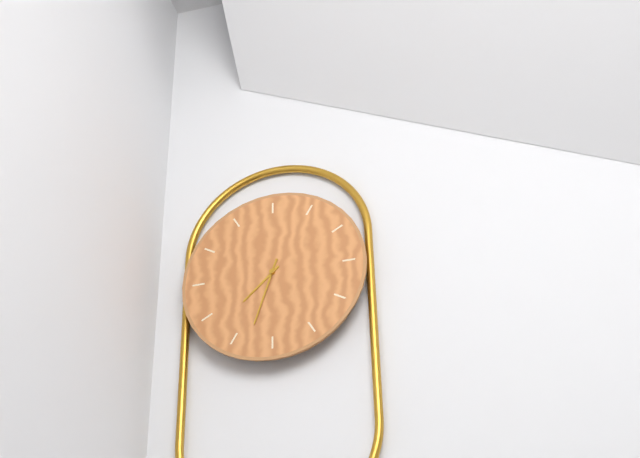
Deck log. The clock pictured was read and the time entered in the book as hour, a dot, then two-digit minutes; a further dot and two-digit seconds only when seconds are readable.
7.33
